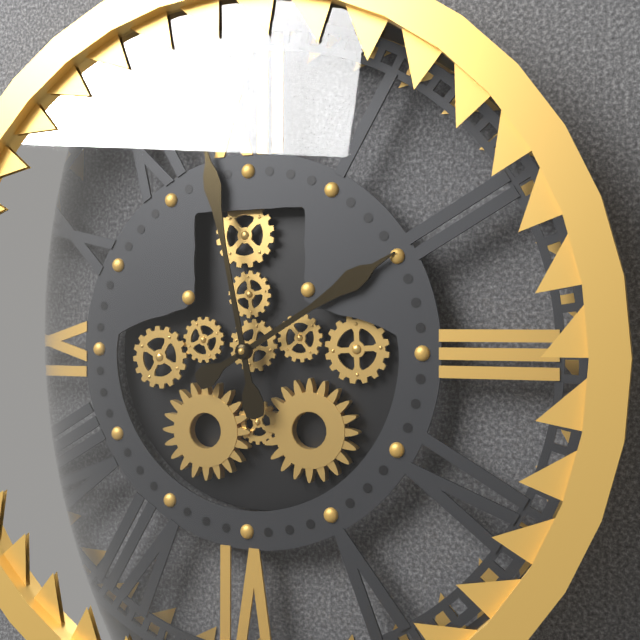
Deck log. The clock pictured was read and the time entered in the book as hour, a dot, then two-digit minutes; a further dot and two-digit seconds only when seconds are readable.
1.58
